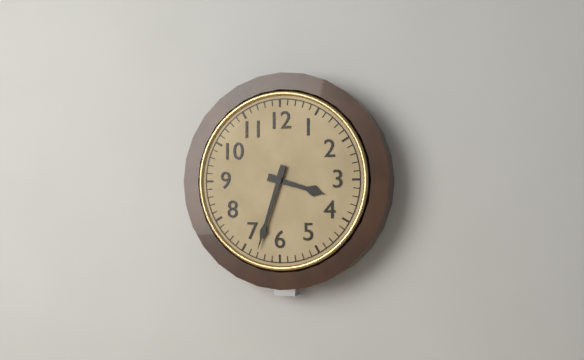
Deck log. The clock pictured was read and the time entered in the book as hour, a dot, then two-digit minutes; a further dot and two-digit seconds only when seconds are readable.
3.33
